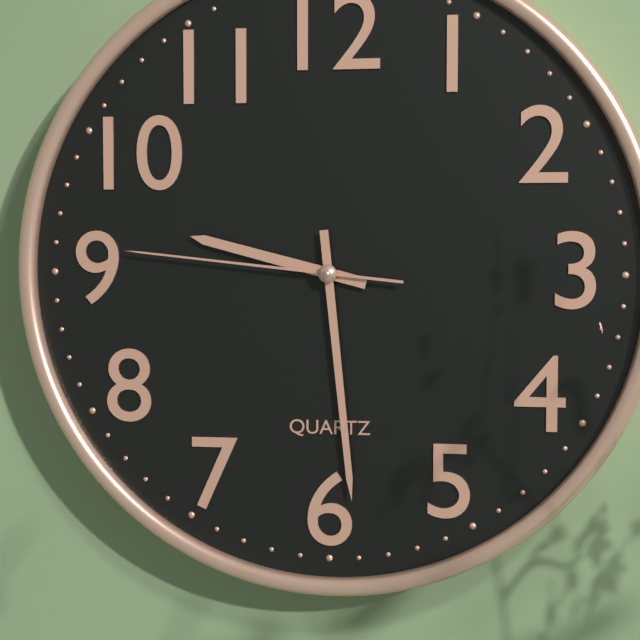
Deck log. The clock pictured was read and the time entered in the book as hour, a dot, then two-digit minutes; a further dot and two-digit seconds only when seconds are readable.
9.29.46
